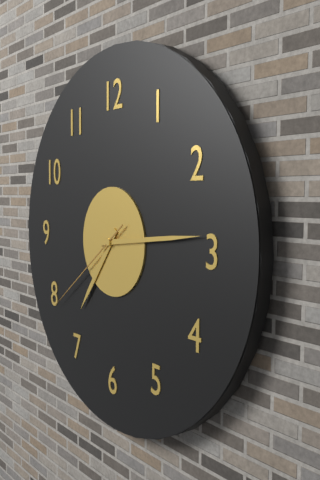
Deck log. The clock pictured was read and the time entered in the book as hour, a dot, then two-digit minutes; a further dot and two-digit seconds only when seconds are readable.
7.14.39
